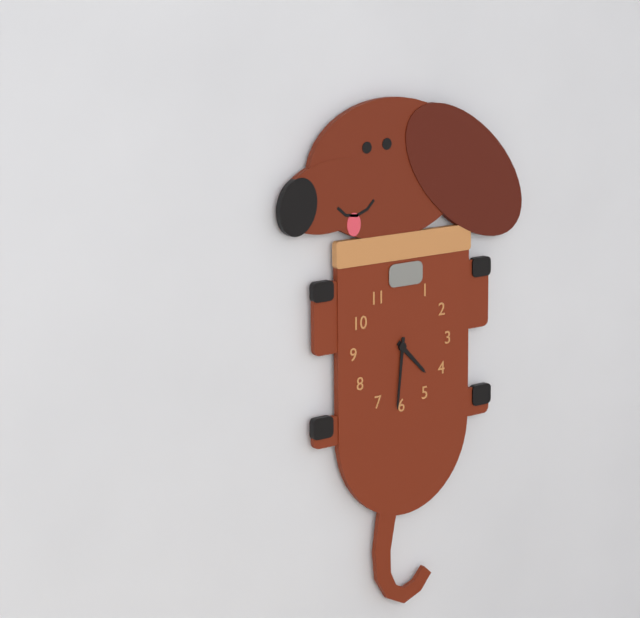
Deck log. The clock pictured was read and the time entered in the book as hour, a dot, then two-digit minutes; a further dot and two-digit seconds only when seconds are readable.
4.31
